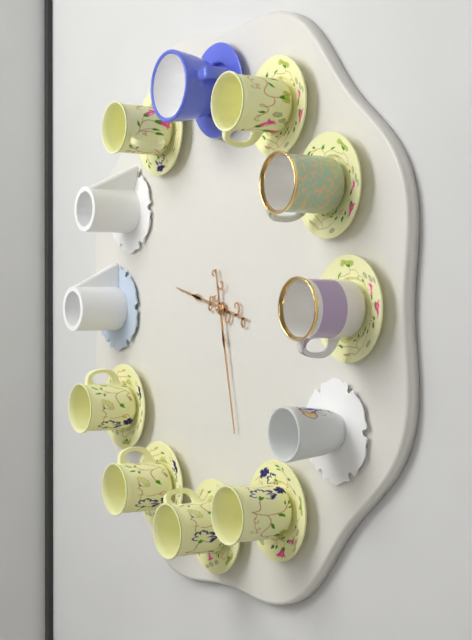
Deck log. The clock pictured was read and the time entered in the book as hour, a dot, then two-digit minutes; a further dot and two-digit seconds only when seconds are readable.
9.28
